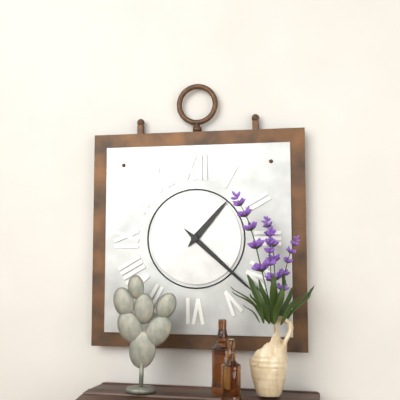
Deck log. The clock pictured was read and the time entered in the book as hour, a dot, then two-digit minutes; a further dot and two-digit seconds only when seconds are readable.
1.22
